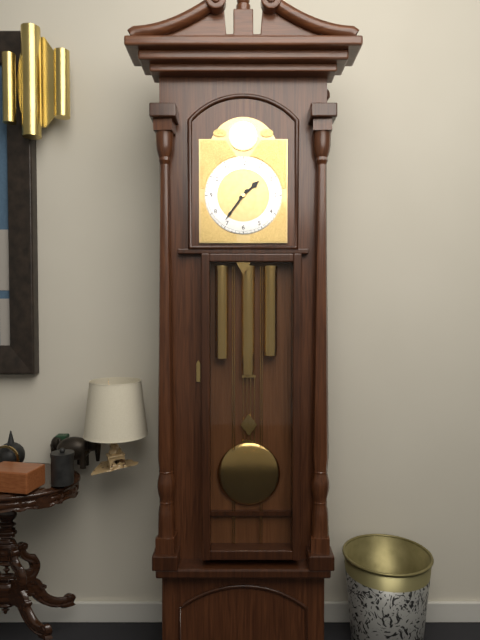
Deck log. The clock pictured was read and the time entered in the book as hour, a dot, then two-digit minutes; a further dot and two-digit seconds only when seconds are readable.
1.36
